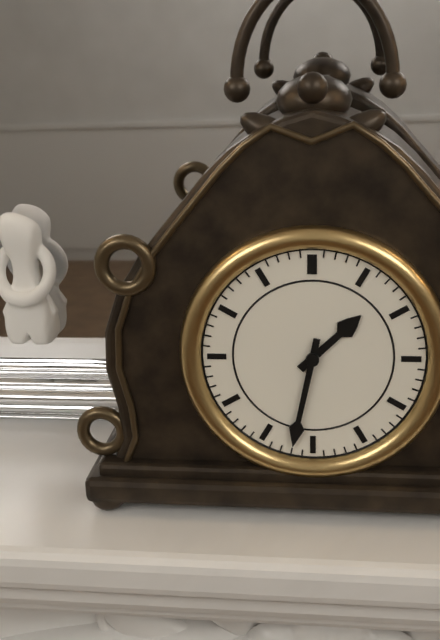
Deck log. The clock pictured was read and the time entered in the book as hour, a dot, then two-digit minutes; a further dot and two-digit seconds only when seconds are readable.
1.32
